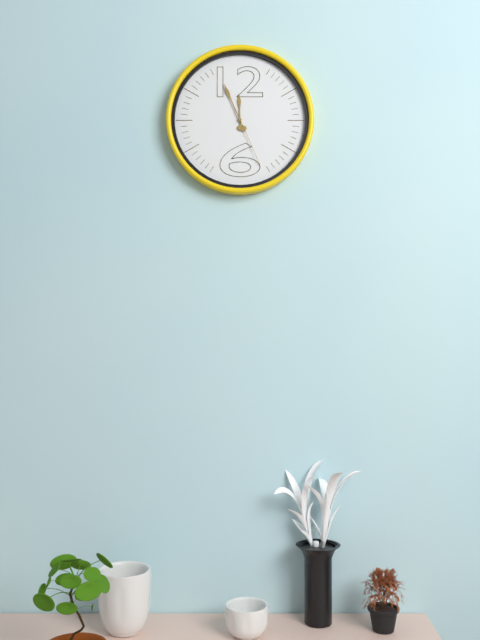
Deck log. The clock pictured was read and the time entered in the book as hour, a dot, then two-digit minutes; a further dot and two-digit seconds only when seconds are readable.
11.56.26
